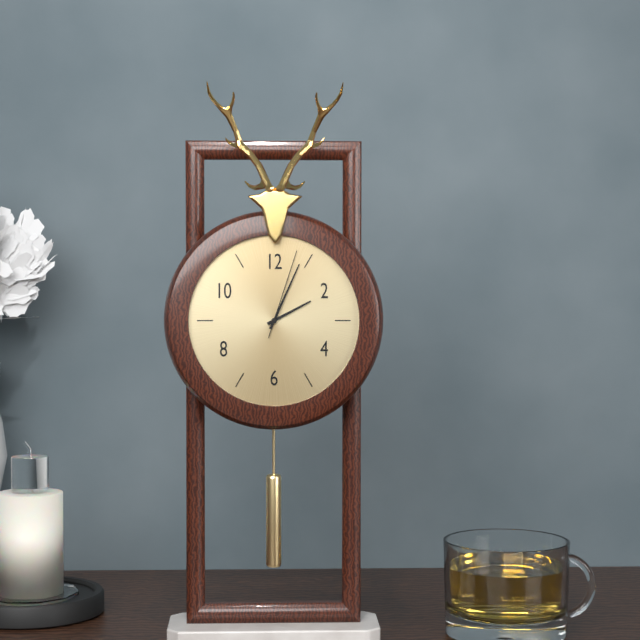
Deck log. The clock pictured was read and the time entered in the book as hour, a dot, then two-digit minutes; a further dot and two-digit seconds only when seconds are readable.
2.04.03
